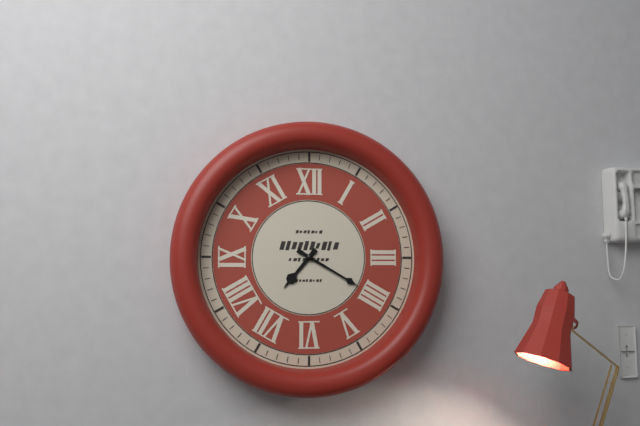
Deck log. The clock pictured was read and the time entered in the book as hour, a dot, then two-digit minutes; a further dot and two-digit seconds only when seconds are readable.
7.20
